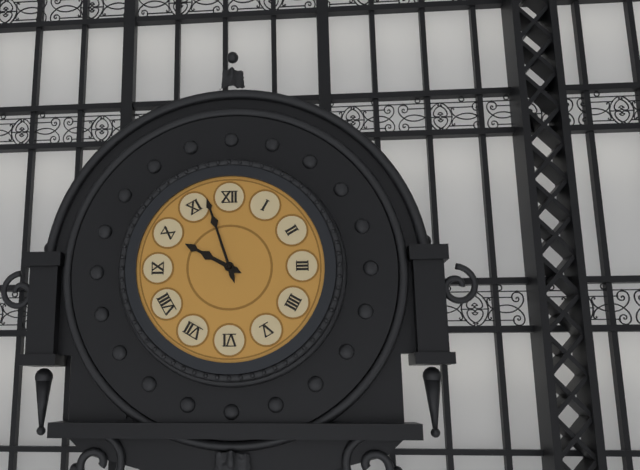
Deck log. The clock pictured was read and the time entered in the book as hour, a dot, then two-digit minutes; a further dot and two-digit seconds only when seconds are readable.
9.57
